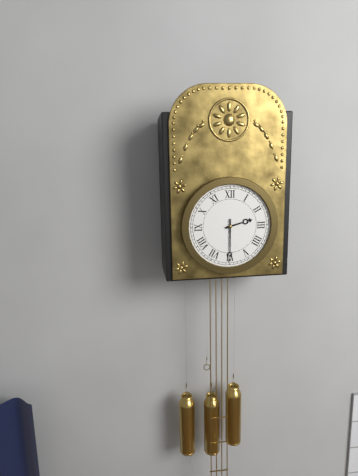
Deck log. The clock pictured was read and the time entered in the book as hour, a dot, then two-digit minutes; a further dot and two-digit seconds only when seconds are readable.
2.30
